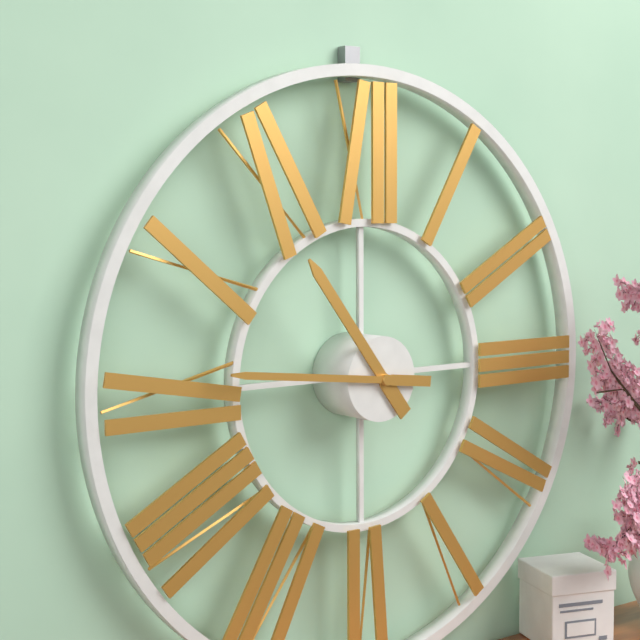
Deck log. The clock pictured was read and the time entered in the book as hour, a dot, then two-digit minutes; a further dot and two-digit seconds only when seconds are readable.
10.46
